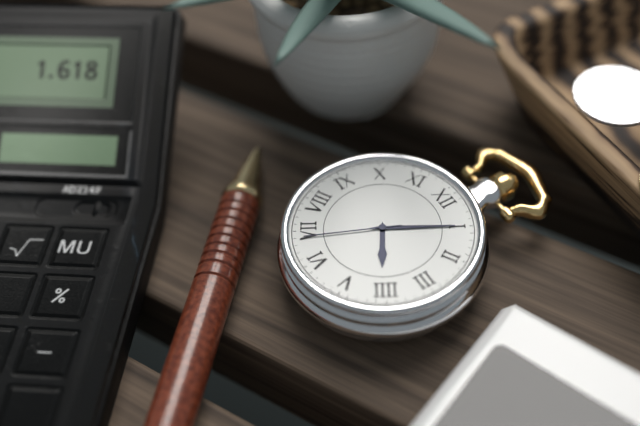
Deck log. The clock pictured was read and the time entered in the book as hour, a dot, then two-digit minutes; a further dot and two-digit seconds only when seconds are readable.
4.05.34
